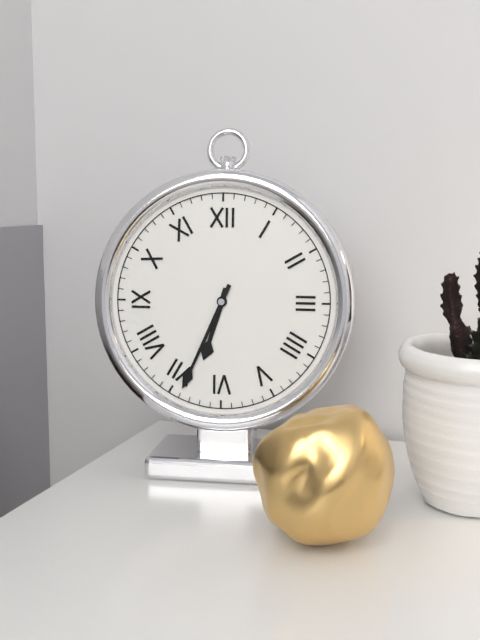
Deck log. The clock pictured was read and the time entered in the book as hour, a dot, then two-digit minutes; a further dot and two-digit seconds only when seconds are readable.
6.34
